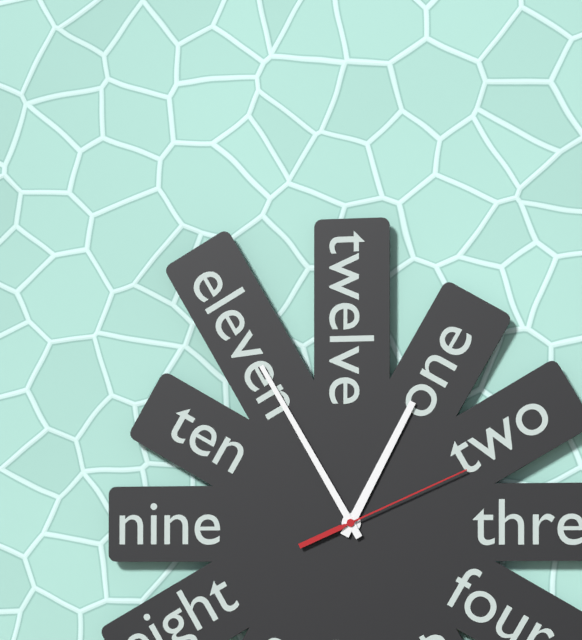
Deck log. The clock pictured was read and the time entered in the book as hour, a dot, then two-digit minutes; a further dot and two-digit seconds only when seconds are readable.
12.55.11
